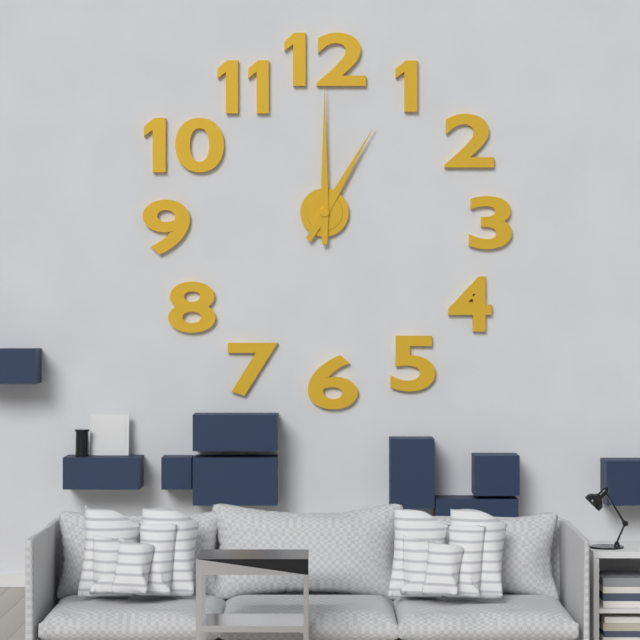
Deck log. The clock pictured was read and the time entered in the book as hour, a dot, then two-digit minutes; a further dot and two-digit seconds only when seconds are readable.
1.00
